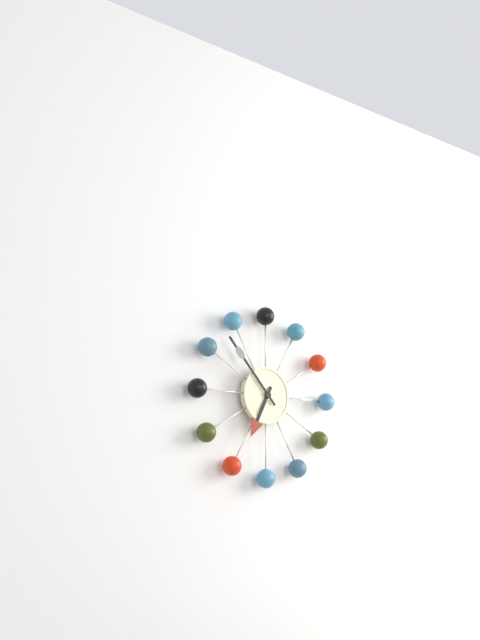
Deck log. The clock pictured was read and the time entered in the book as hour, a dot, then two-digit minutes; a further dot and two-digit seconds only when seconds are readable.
6.53
